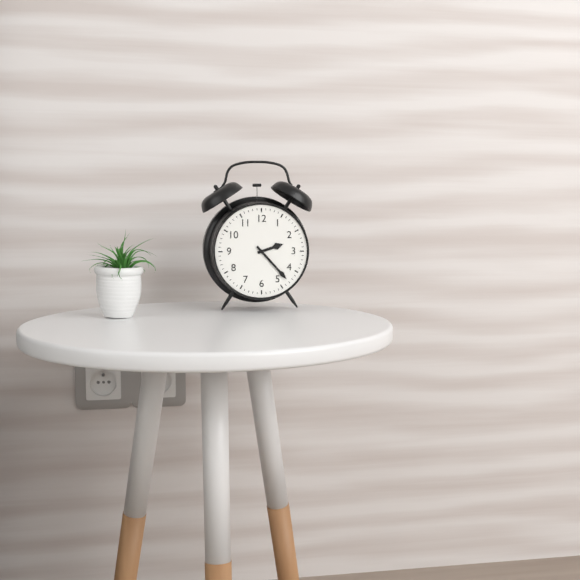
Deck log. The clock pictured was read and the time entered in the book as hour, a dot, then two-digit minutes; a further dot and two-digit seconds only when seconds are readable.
2.23
